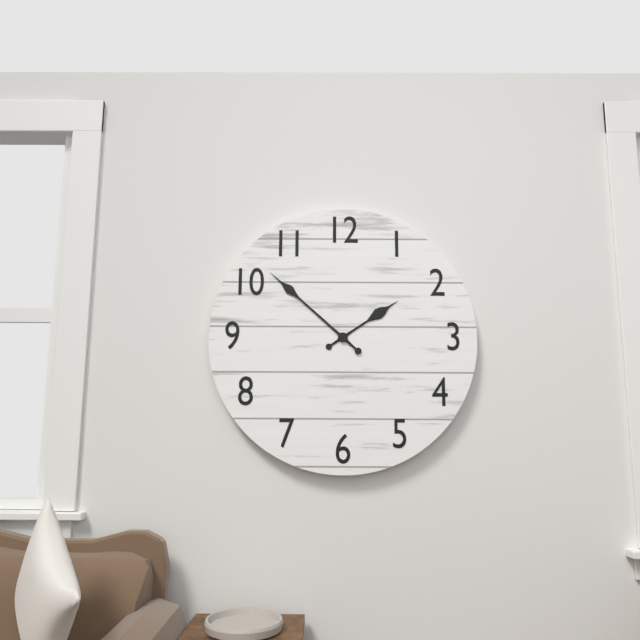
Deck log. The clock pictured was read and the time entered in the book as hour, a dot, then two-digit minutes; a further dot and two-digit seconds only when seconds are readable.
1.52
